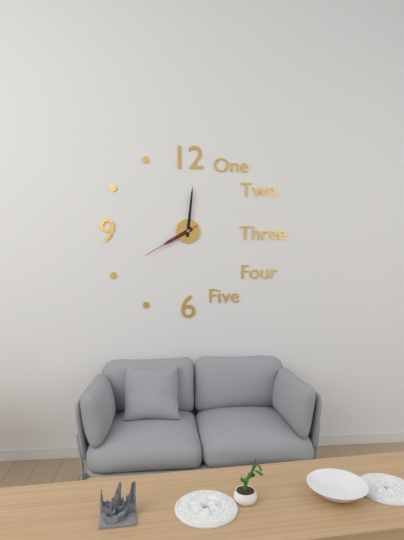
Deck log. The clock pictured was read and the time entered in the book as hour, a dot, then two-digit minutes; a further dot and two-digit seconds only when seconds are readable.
8.01.40
